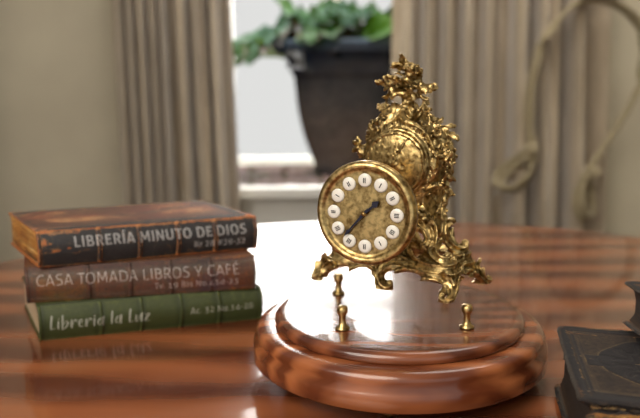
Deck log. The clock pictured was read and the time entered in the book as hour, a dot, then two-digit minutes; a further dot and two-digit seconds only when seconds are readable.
1.37
